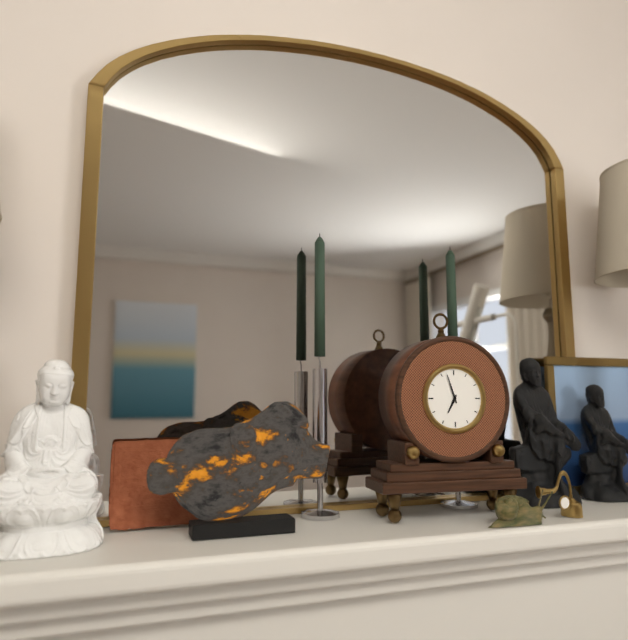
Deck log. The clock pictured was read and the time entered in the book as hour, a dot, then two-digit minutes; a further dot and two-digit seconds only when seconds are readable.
6.57
